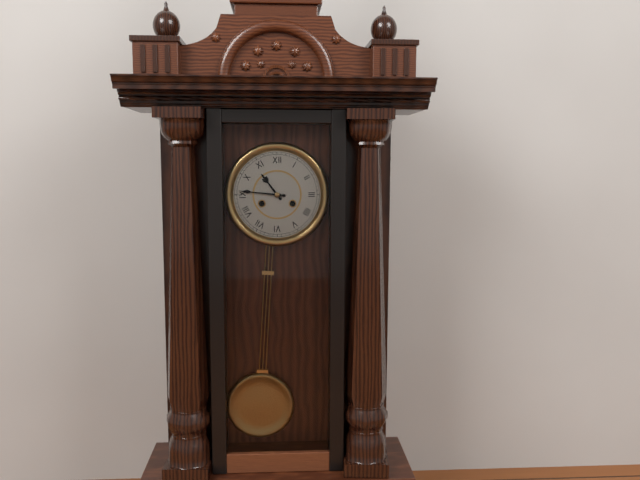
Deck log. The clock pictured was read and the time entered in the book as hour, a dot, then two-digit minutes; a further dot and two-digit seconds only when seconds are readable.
10.46
